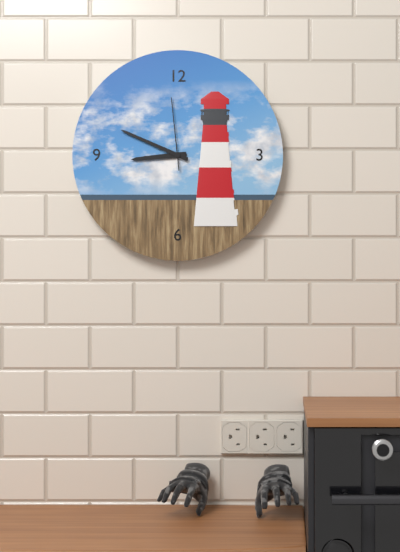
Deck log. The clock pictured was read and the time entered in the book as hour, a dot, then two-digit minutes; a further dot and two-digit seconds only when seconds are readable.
8.49.59
